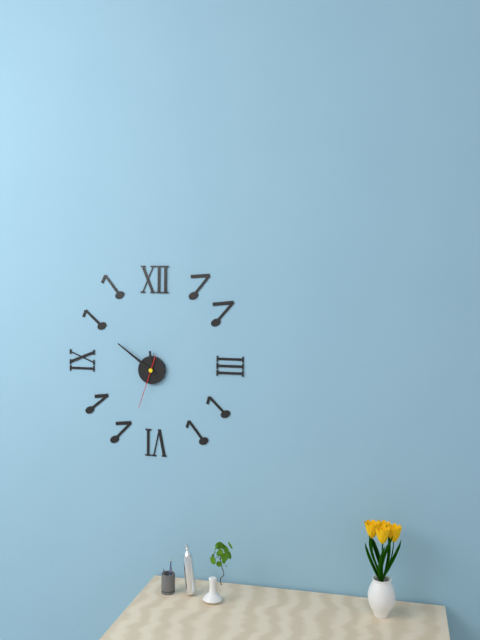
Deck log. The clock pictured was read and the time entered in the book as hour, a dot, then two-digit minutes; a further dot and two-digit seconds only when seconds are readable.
11.51
